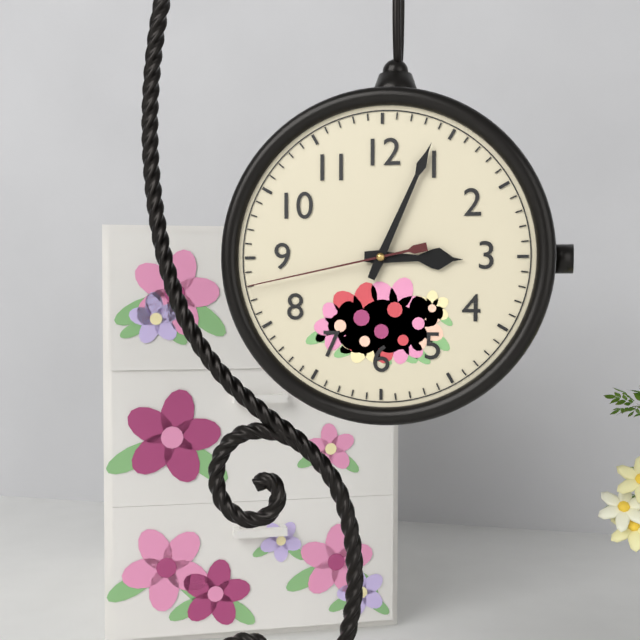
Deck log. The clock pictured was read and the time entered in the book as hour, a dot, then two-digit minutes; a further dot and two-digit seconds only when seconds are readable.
3.04.43
